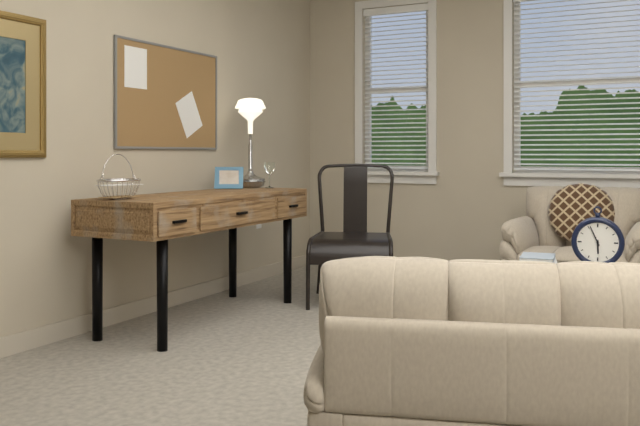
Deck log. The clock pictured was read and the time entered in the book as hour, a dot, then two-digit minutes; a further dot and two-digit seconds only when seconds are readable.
5.56
